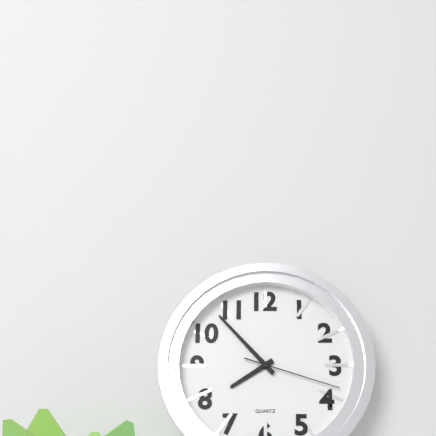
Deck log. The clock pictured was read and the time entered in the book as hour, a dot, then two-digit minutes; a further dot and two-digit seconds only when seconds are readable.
7.53.18
